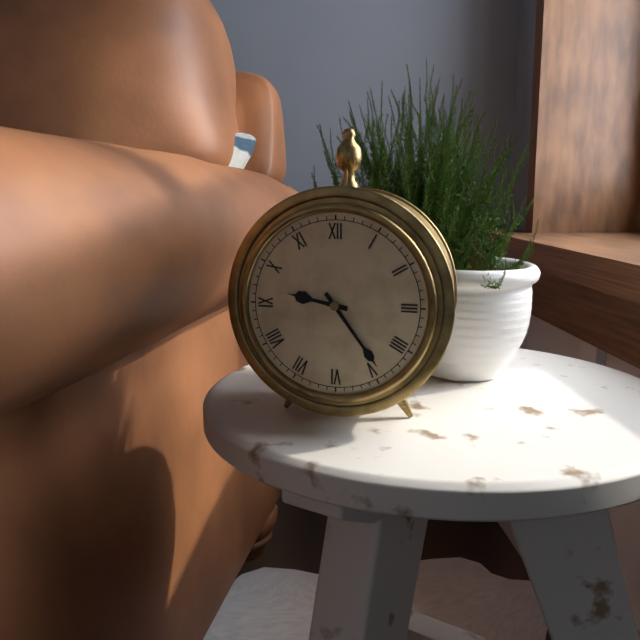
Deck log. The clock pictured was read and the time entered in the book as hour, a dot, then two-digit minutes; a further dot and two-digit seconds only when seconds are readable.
9.24
